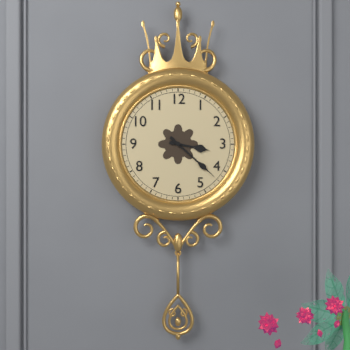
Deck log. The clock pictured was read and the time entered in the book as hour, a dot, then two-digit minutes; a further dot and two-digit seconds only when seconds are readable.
3.22
